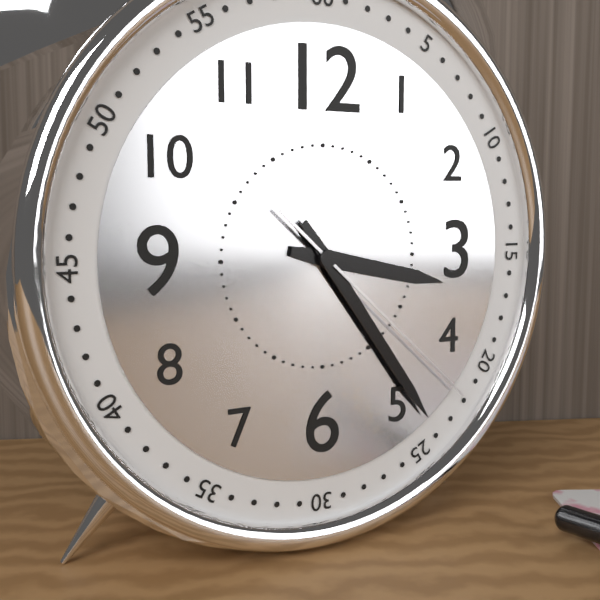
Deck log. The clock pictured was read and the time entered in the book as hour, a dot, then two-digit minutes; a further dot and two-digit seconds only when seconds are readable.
3.24.22
